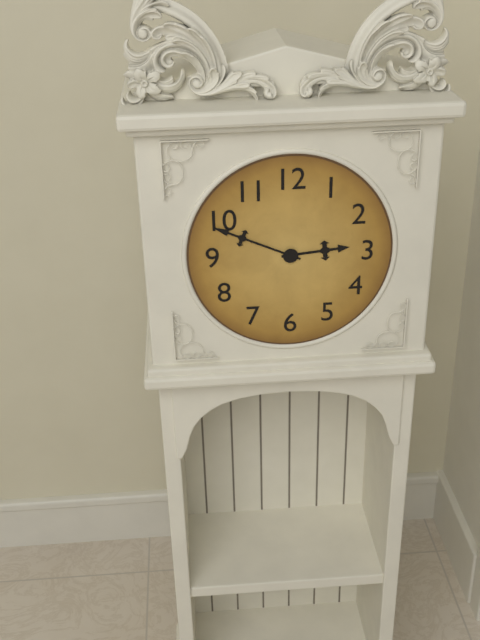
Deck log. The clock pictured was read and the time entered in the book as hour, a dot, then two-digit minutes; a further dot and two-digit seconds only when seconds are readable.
2.49
